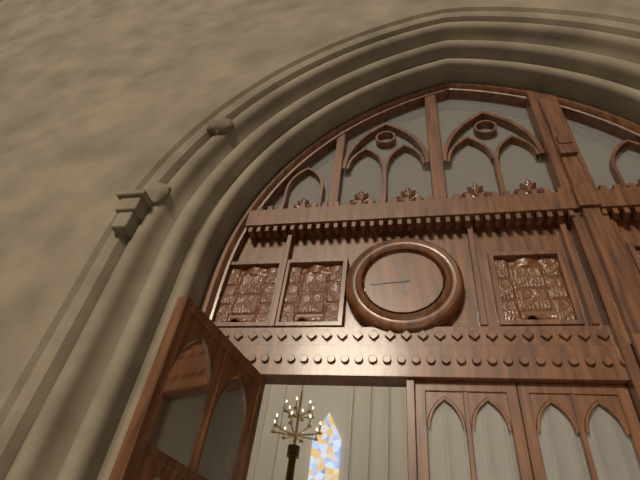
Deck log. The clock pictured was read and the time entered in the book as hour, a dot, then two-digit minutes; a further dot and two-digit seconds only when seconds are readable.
5.44
